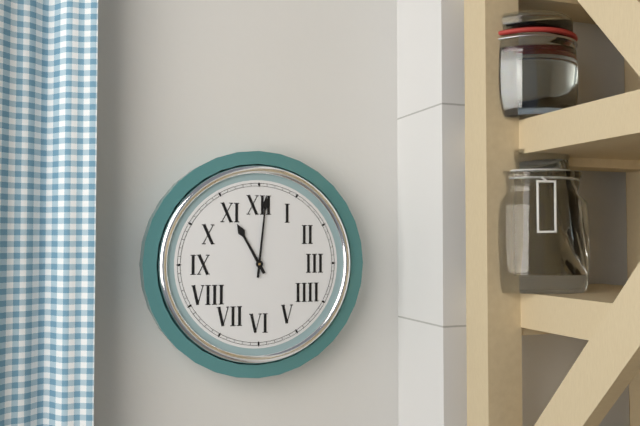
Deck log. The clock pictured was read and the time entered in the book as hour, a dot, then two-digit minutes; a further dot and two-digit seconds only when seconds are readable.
11.01
